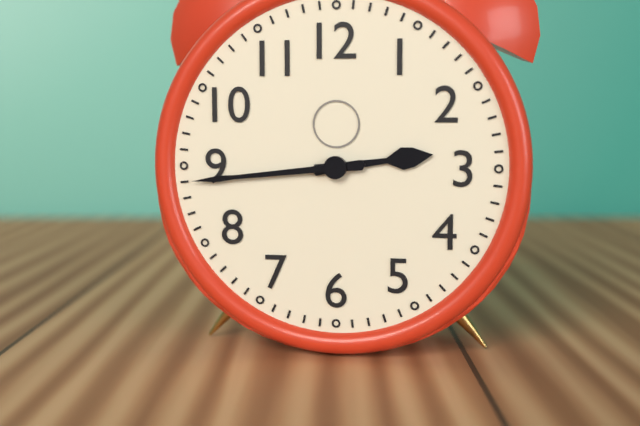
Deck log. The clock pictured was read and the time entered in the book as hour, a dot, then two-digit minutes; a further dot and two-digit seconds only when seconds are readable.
2.44
